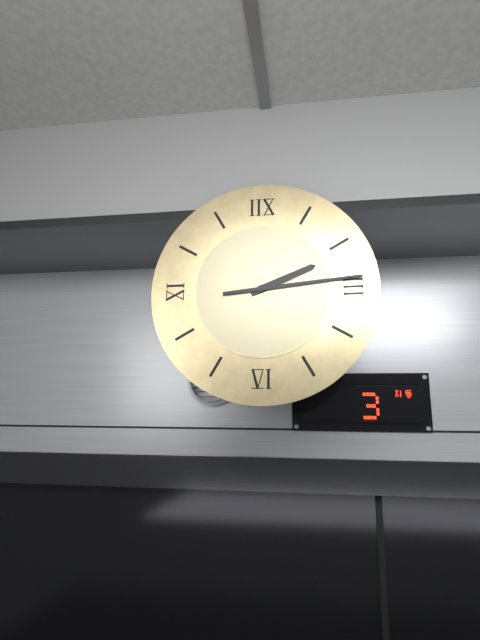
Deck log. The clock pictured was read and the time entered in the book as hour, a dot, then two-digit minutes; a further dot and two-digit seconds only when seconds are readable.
2.14
